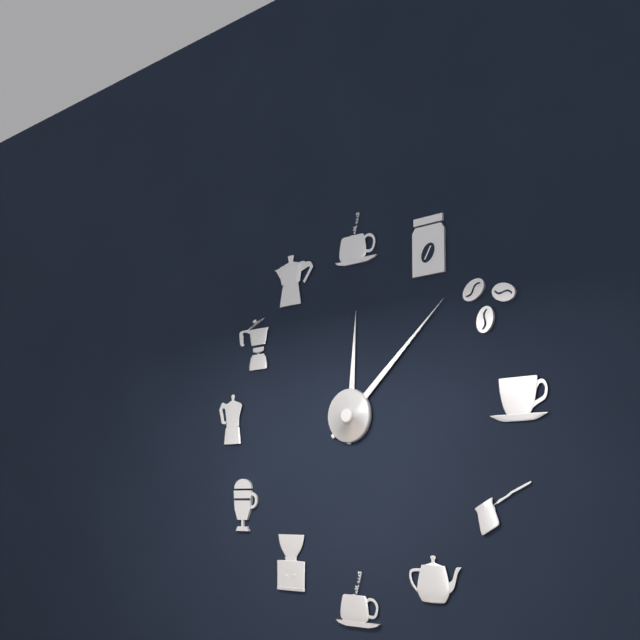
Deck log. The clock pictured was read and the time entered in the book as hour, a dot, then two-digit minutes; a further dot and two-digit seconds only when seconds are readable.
12.08
